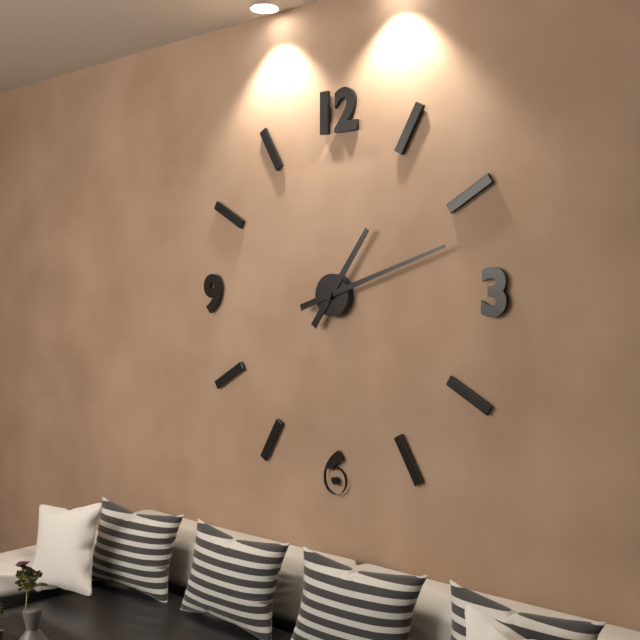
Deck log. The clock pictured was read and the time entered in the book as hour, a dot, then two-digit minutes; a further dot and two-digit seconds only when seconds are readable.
1.12
